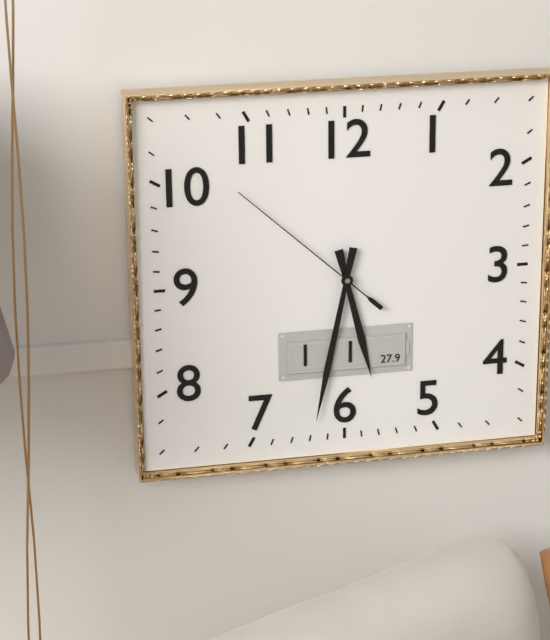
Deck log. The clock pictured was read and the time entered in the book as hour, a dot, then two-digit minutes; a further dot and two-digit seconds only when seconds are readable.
5.32.52
